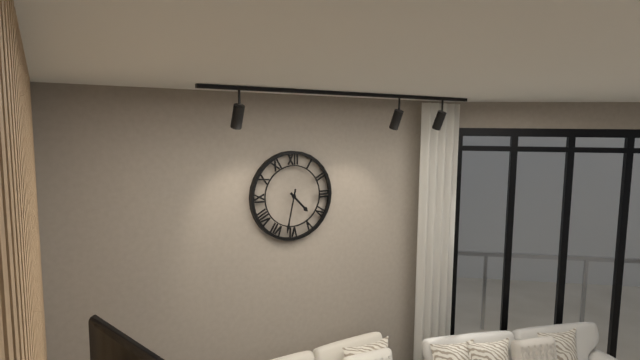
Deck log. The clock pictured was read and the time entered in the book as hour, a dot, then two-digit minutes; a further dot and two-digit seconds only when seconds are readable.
4.32
